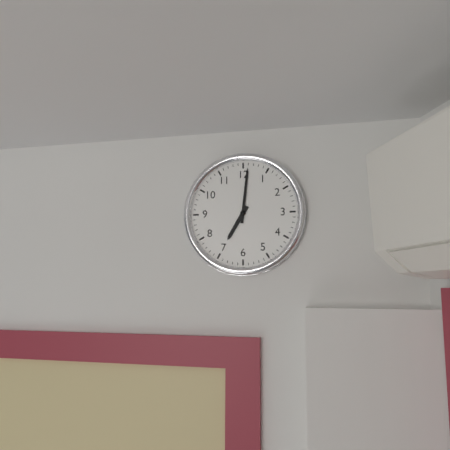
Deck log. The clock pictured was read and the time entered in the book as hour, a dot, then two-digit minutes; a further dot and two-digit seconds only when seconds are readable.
7.01
